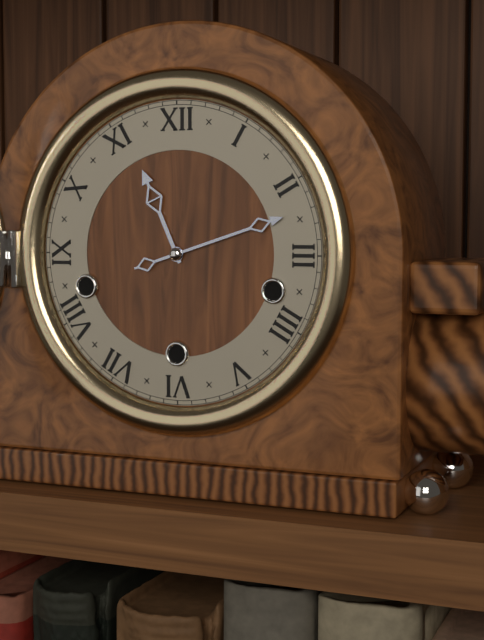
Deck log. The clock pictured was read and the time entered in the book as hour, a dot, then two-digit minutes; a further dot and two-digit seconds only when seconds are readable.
11.12
